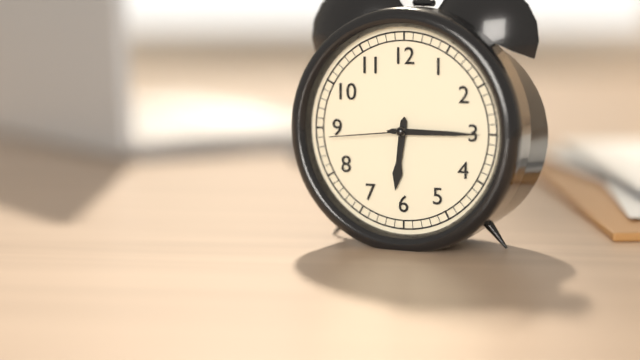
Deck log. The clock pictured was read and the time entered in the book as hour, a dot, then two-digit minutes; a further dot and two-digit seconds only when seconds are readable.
6.15.44
